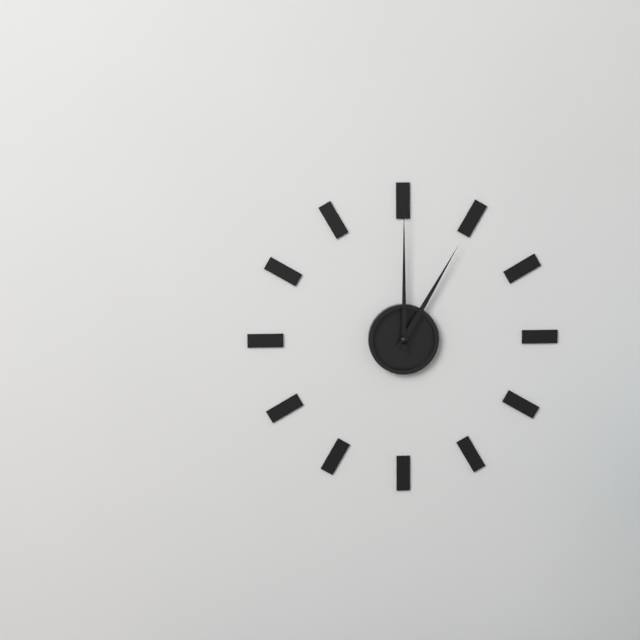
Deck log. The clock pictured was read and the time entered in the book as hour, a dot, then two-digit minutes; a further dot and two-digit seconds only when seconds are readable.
1.00
